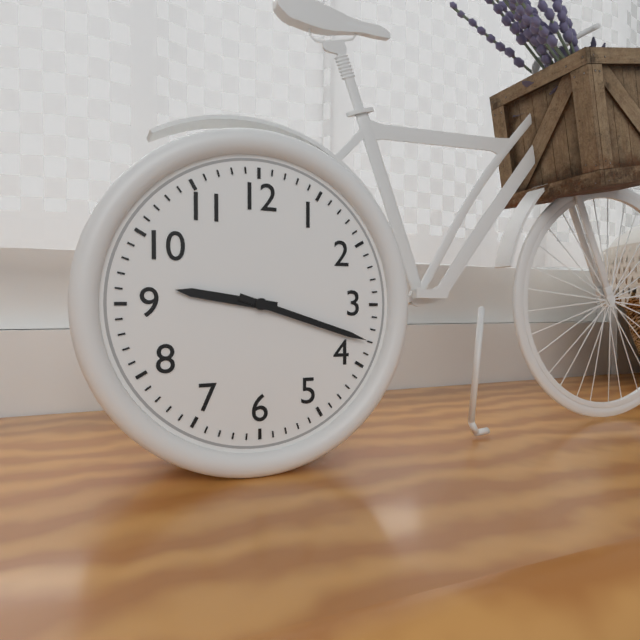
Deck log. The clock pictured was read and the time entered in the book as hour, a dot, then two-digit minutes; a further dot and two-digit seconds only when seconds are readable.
9.18
